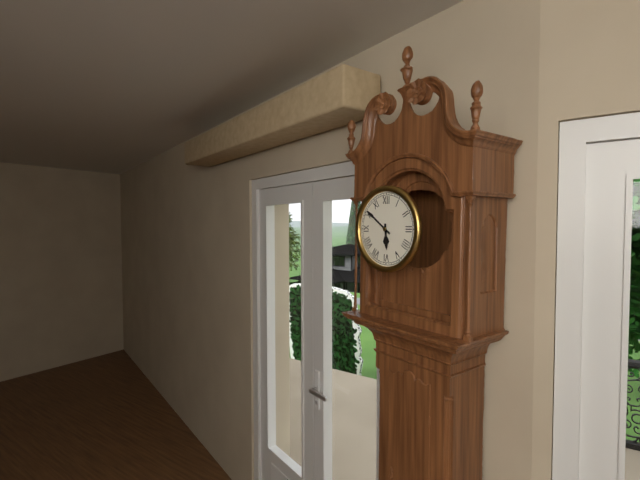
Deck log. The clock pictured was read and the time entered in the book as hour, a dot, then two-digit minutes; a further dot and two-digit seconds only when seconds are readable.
5.51
